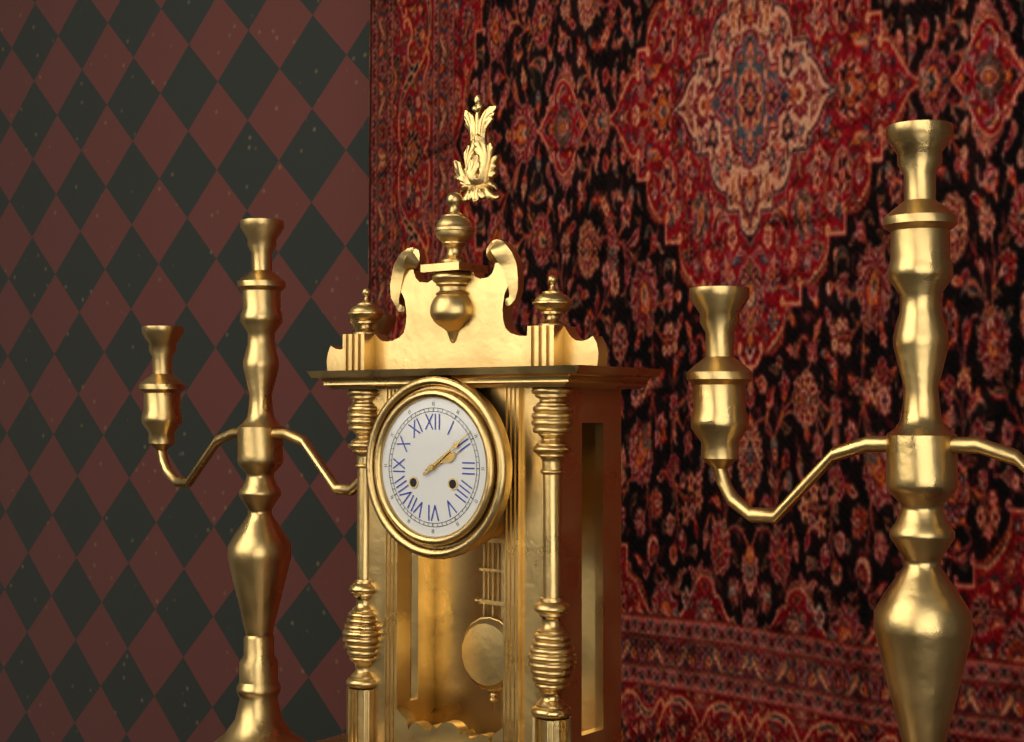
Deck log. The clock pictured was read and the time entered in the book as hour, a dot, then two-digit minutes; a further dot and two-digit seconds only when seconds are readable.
2.09
